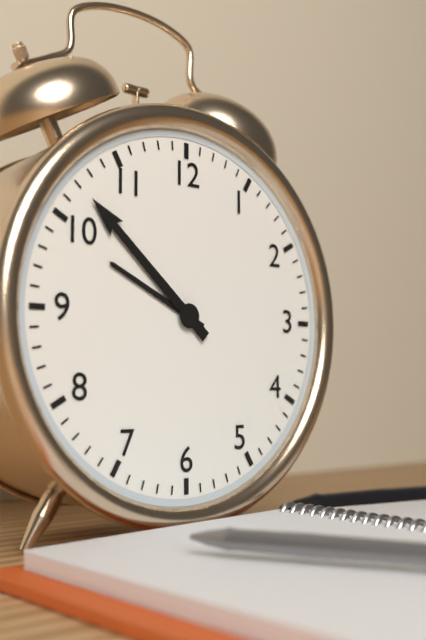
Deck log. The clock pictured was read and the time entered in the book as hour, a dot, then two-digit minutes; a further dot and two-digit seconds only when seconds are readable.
9.52
